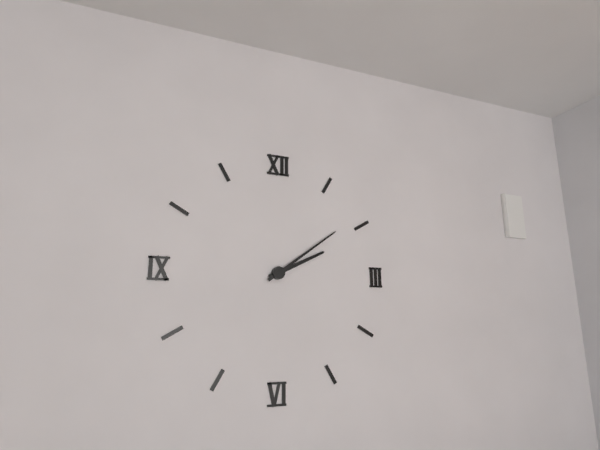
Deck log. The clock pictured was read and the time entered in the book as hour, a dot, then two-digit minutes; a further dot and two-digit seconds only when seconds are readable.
2.09
